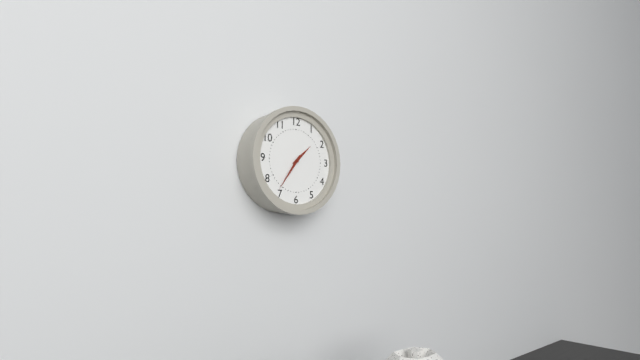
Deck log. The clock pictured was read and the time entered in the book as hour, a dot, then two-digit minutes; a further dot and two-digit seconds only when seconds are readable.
1.36
